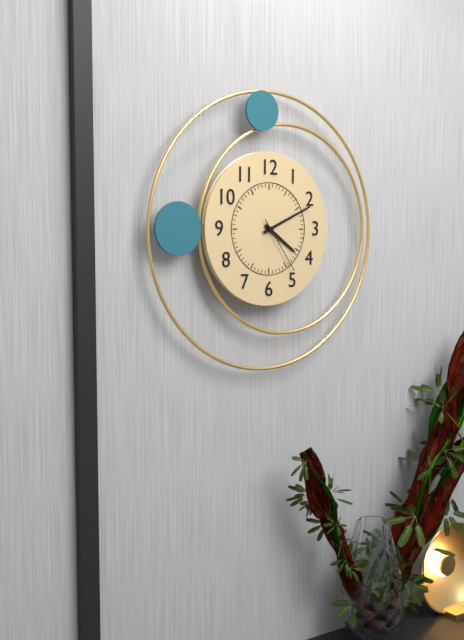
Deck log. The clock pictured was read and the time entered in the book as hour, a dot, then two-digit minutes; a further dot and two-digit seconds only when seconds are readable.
4.11.24
